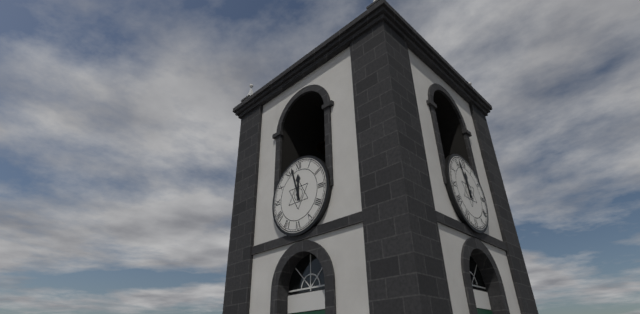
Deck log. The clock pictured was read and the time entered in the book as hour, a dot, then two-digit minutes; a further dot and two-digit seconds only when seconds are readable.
11.57
